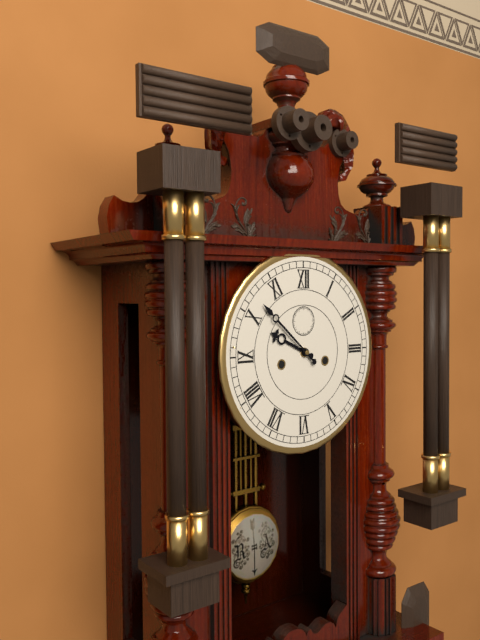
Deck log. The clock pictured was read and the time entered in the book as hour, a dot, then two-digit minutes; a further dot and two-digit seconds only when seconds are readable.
9.52
